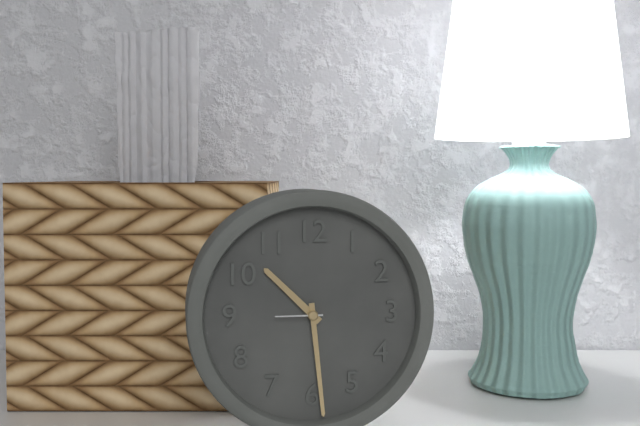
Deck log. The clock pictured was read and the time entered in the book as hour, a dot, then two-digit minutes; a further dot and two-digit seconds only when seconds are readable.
10.29
